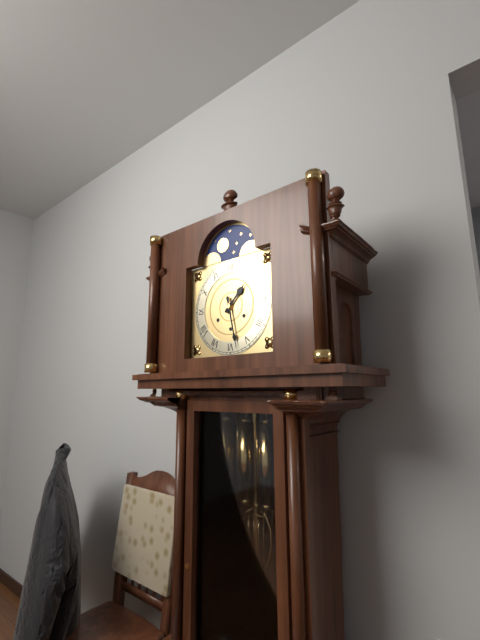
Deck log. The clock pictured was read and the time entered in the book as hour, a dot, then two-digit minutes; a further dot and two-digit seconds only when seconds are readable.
1.28
